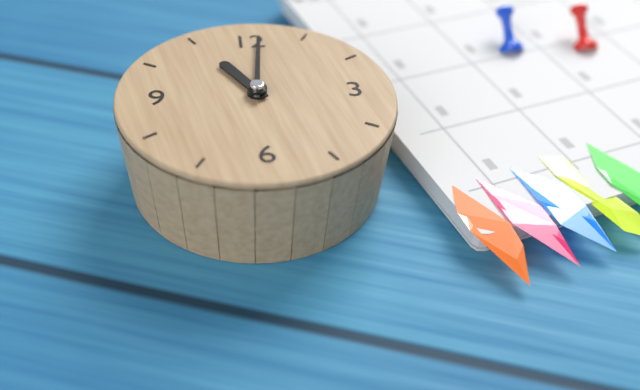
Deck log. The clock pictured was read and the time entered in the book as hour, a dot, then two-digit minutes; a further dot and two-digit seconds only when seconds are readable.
11.01
